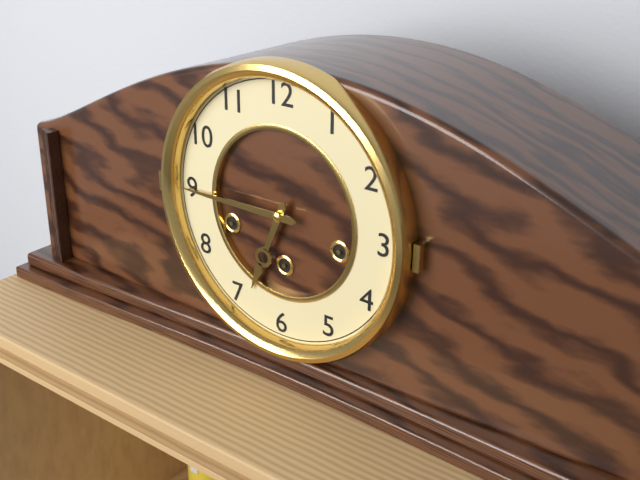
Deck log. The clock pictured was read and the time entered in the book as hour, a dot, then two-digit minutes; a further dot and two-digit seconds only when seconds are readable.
6.45
